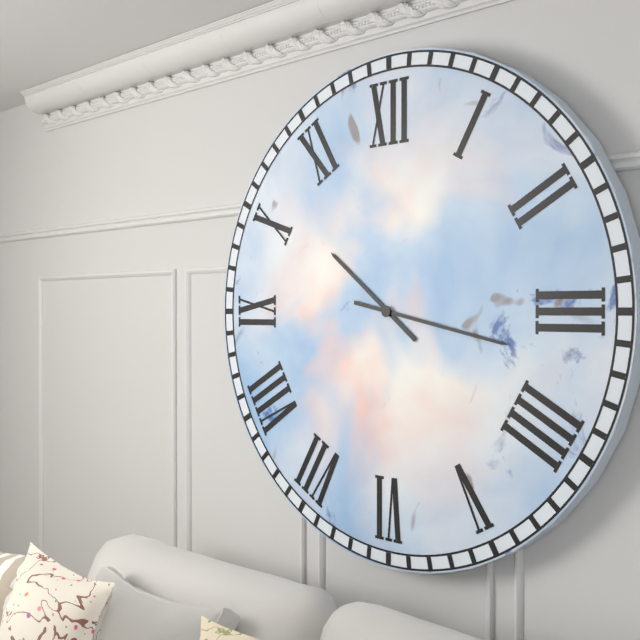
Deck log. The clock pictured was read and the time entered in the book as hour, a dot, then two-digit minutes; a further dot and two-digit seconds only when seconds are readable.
10.17
